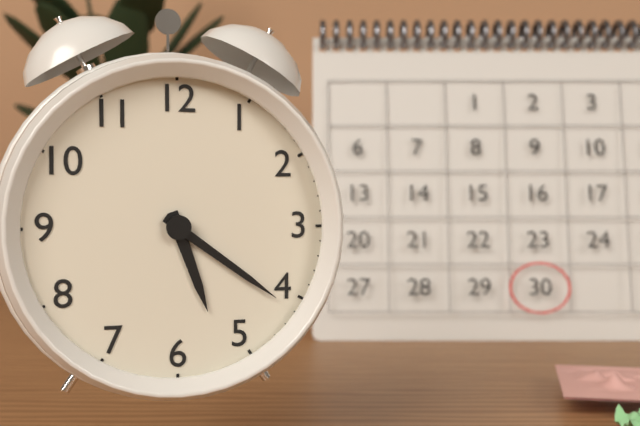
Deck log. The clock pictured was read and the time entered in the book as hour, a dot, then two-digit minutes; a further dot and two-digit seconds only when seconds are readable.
5.21
